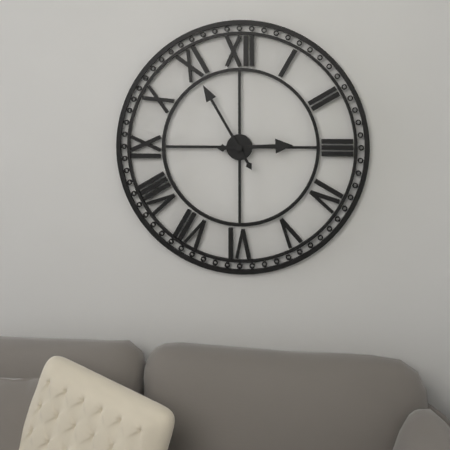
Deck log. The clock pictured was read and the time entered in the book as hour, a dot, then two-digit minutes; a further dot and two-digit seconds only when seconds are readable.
2.55
